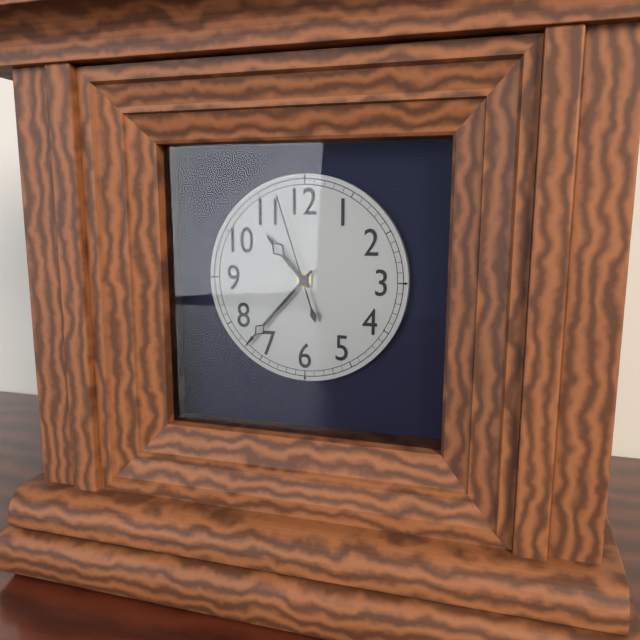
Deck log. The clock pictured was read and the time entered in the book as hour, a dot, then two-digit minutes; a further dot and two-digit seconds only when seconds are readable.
10.37.57
